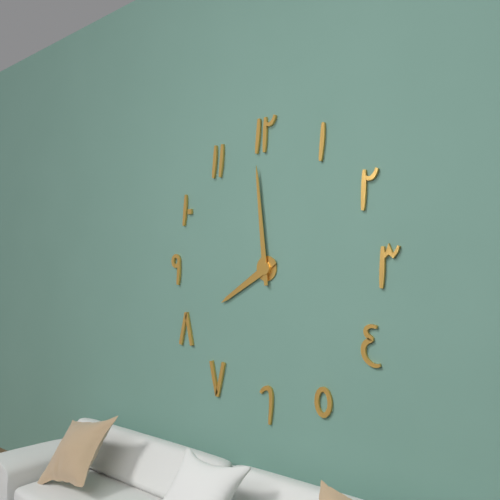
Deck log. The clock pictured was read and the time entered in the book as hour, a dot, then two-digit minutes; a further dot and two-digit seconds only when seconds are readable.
7.59
